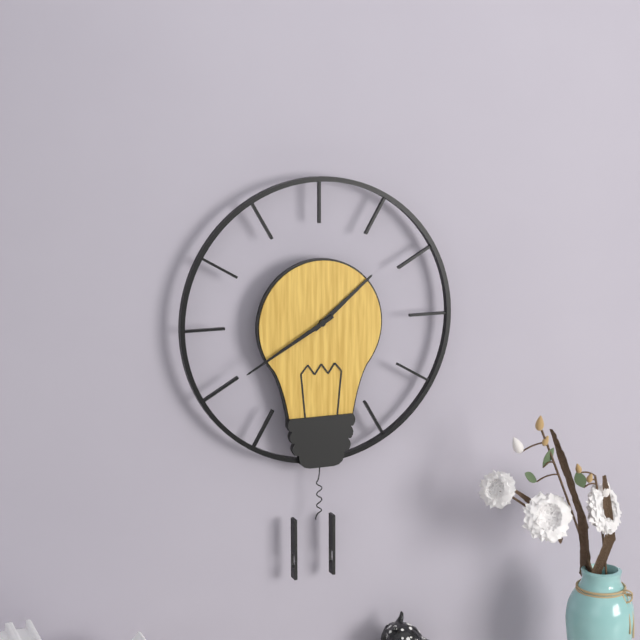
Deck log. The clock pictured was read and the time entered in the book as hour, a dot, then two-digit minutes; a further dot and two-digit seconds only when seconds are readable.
1.40
